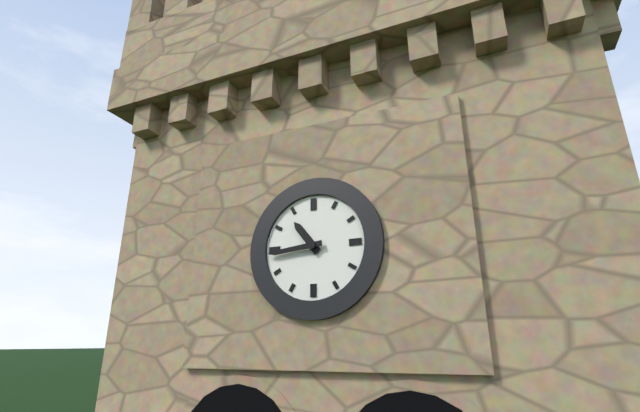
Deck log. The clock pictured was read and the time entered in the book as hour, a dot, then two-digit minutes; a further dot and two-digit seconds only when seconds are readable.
10.44
